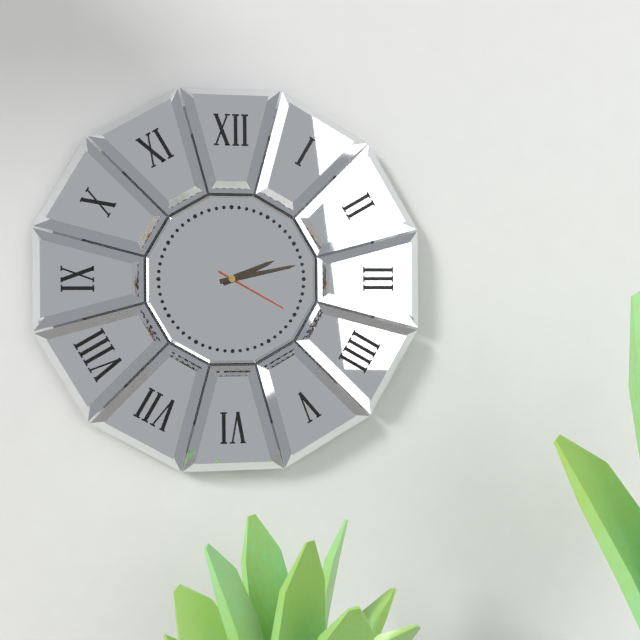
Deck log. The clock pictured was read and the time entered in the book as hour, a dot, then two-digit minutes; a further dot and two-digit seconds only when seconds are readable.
2.13.20
